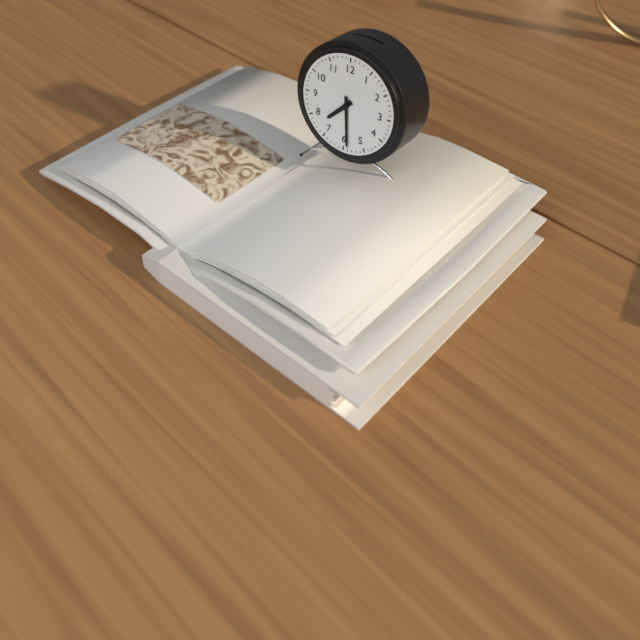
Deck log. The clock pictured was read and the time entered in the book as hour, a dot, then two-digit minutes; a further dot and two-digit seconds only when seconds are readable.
7.29
